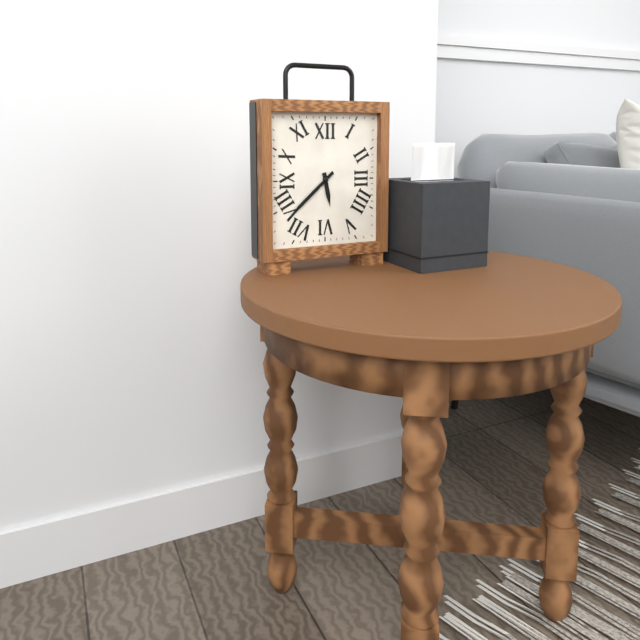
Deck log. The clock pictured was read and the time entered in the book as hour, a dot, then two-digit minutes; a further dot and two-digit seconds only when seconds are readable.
5.38
